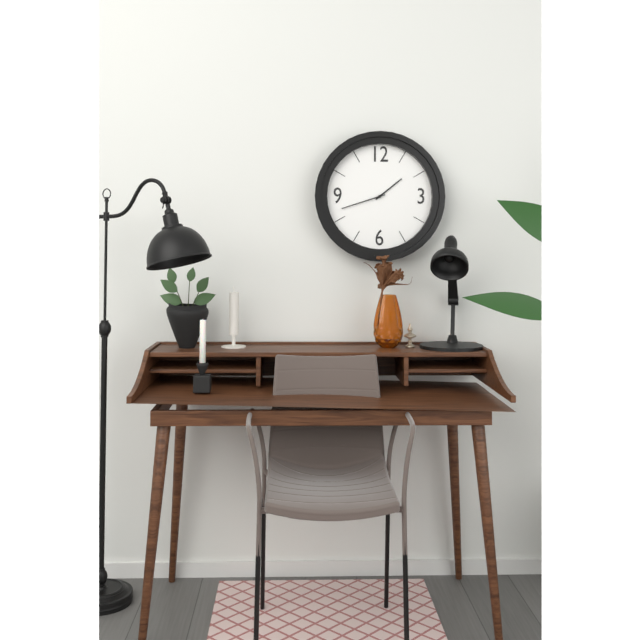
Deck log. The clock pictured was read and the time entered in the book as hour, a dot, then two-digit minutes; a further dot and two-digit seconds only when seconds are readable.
1.42
